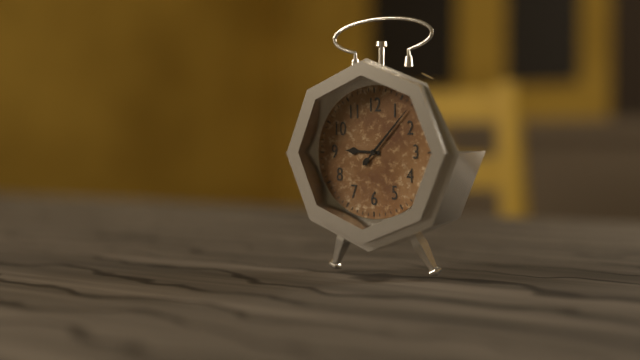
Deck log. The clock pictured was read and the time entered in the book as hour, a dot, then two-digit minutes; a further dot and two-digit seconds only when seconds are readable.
9.07
